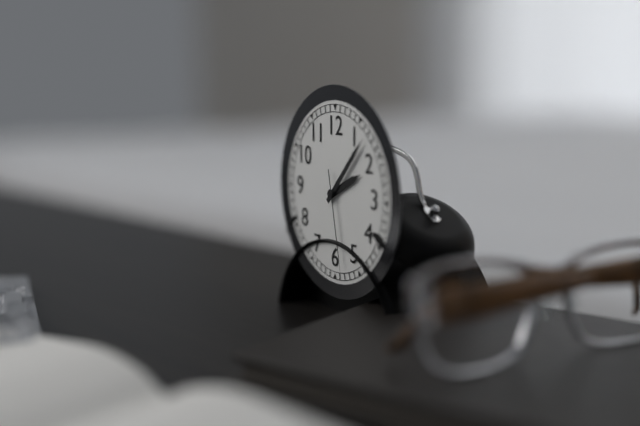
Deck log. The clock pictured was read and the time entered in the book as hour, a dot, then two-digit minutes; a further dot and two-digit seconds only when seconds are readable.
2.07.28
